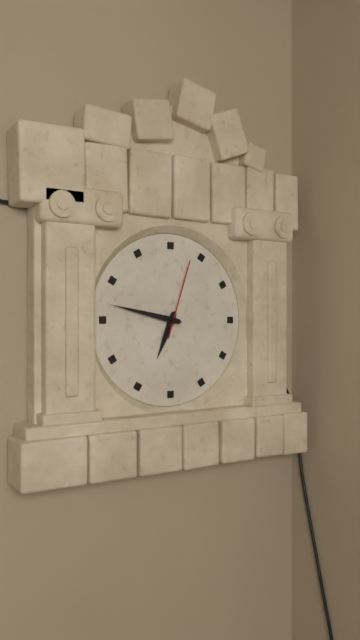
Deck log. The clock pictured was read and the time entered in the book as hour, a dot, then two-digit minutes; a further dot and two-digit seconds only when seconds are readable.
6.47.03
